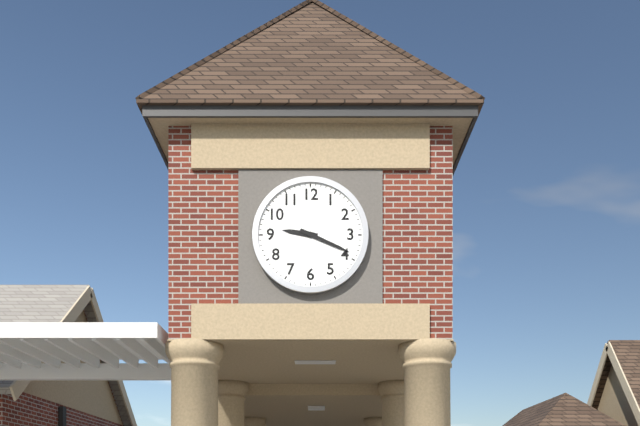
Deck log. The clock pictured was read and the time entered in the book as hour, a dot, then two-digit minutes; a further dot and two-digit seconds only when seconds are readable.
9.19
